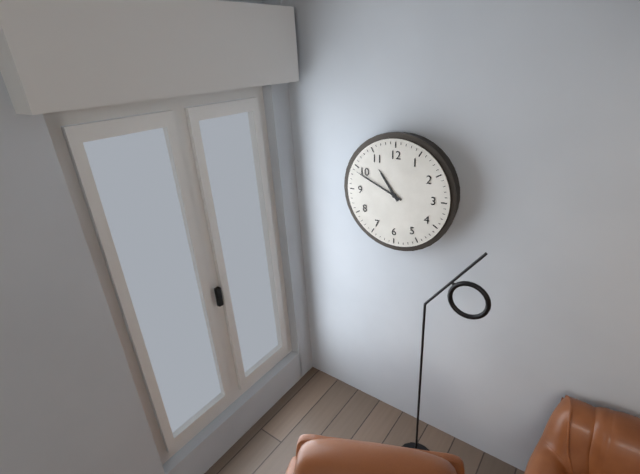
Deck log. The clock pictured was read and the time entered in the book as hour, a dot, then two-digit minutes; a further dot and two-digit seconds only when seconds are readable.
10.49
